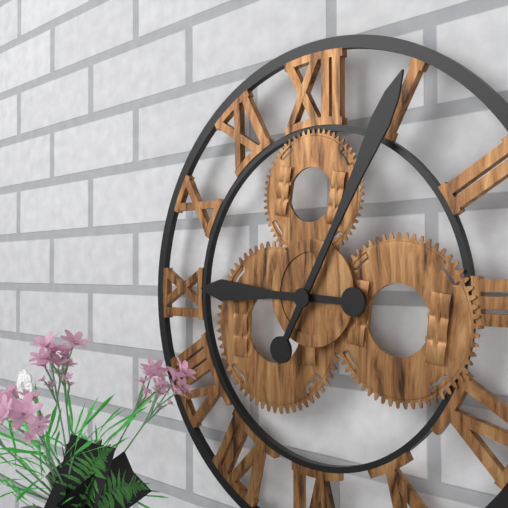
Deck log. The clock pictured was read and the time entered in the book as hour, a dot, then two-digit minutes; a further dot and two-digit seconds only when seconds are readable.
9.05
